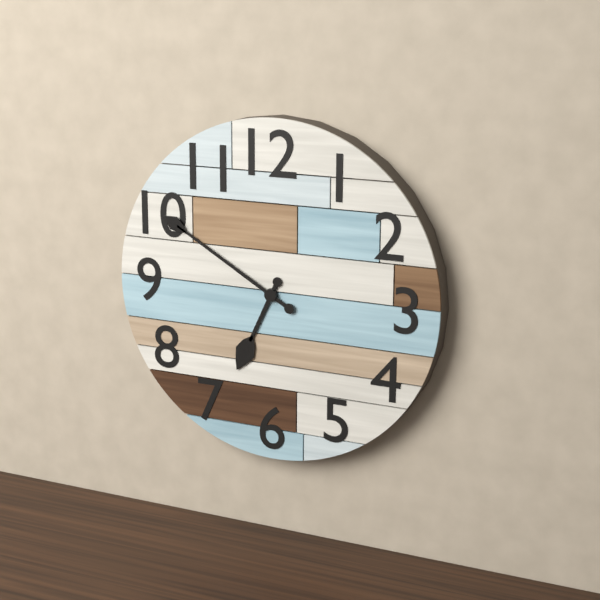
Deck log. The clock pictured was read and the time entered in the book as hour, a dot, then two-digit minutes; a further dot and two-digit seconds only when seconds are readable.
6.50
